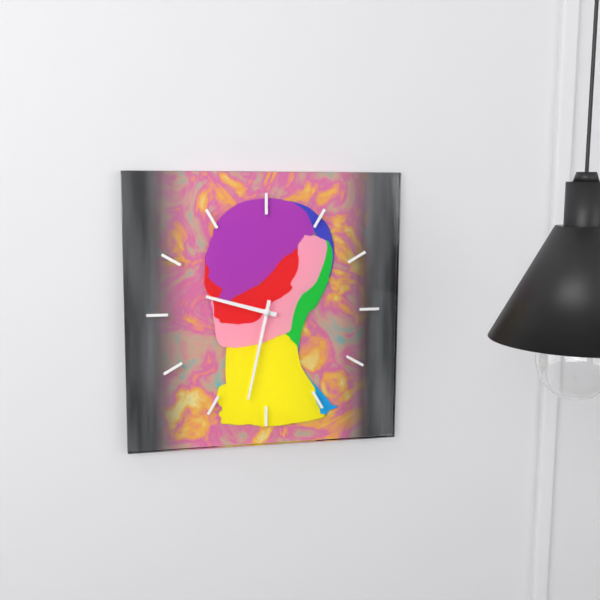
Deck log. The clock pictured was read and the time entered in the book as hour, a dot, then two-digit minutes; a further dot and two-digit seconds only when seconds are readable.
9.32
